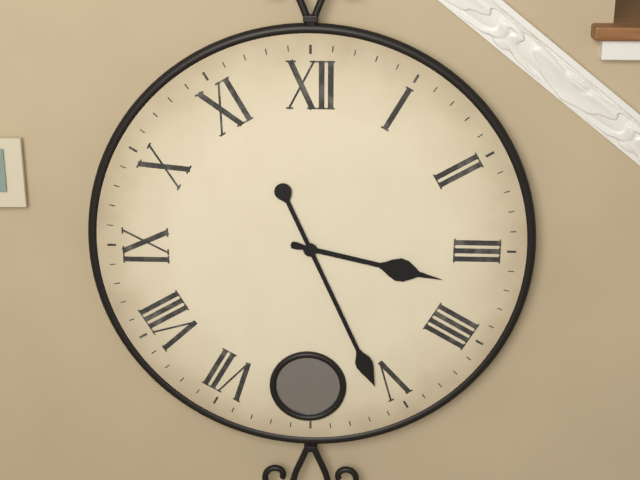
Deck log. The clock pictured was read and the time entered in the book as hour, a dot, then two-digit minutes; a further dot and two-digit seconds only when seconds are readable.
3.26
